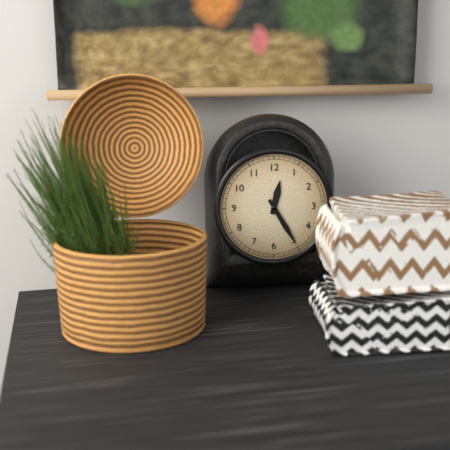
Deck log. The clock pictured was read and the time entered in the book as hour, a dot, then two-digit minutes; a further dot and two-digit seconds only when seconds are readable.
12.25
